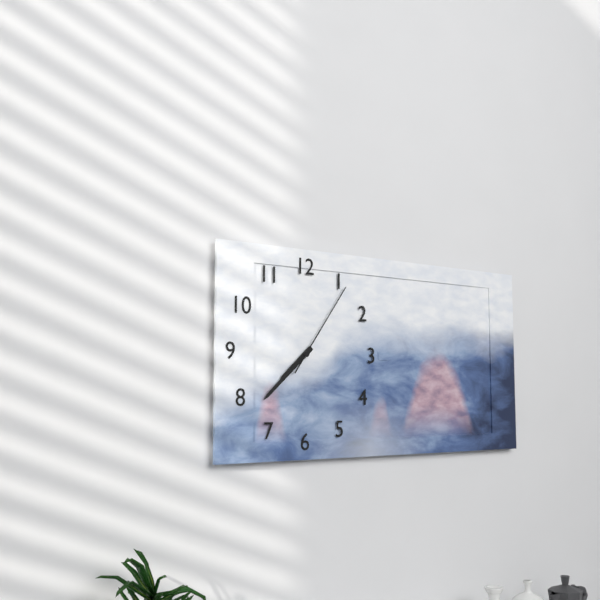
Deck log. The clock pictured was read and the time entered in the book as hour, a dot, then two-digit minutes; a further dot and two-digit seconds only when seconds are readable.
7.38.06
